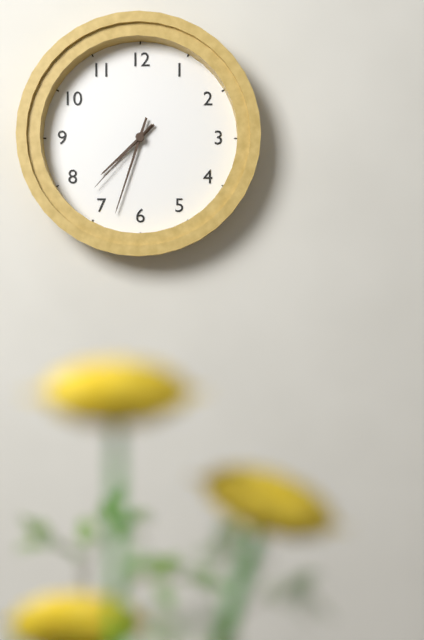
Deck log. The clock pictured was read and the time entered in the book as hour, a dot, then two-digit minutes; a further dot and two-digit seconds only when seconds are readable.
7.33.37
